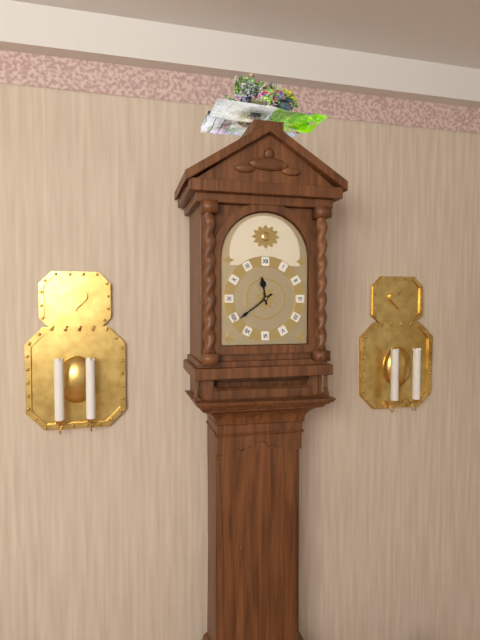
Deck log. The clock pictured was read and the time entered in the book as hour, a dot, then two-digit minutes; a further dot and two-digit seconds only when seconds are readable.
11.39
